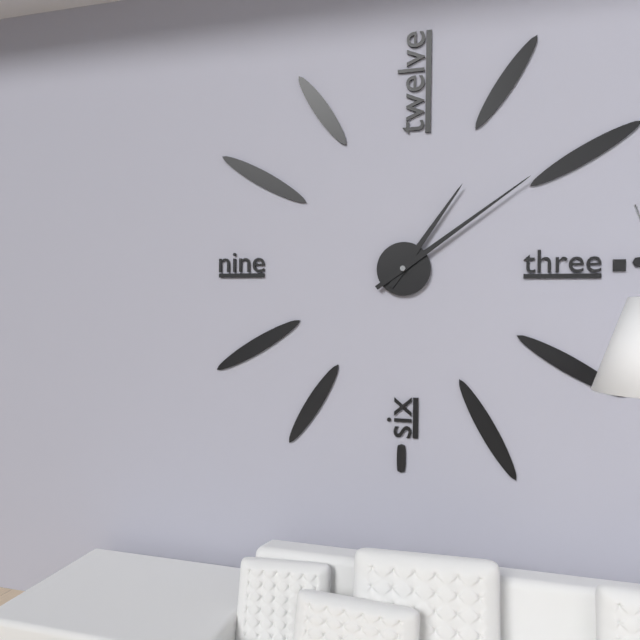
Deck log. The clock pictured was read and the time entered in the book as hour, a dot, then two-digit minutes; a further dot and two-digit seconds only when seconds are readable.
1.09
